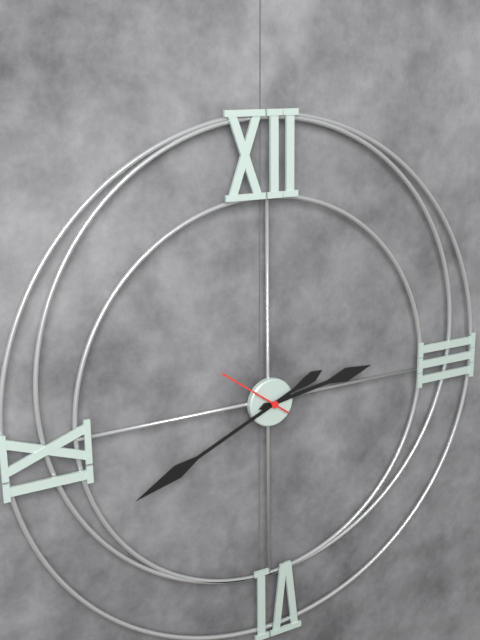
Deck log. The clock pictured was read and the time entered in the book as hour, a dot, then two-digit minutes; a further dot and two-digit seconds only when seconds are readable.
2.41.51
